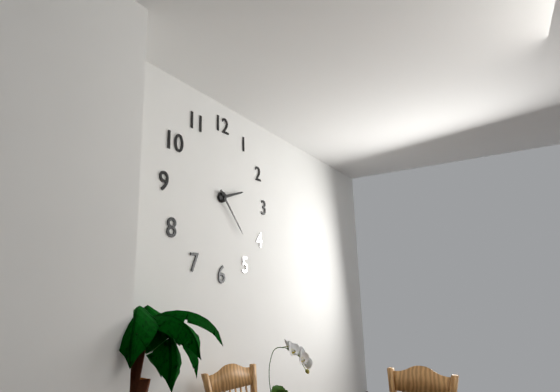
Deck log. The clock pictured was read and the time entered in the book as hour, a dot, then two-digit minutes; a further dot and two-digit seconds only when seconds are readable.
2.23
